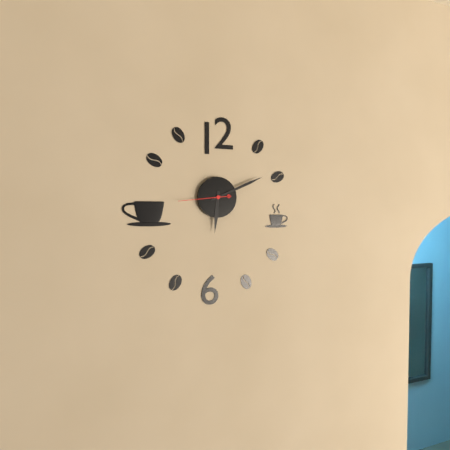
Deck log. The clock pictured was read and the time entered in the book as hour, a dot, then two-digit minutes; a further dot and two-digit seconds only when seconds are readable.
6.11
